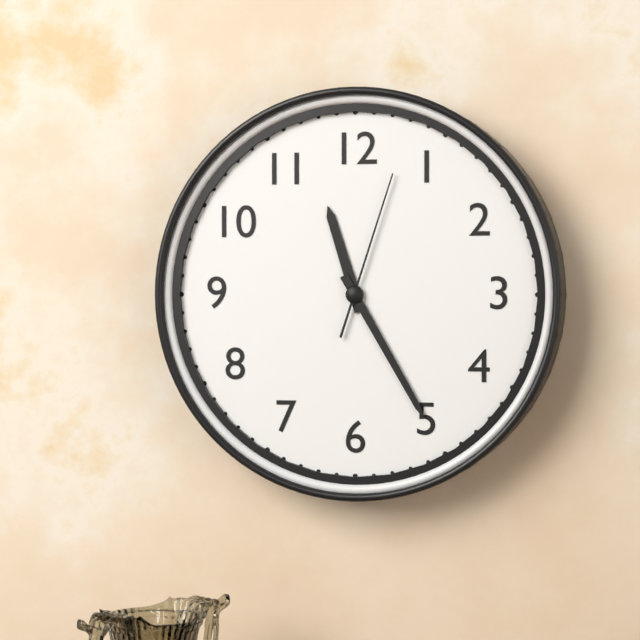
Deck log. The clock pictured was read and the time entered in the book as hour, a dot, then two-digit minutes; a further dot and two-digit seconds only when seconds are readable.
11.25.03
